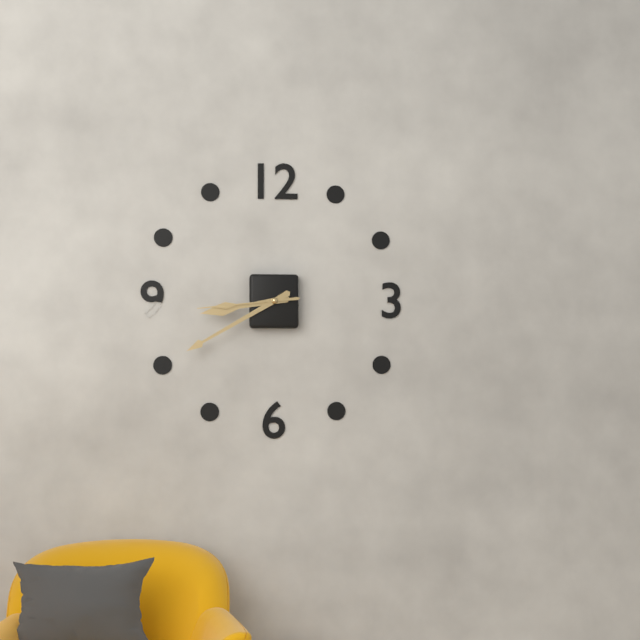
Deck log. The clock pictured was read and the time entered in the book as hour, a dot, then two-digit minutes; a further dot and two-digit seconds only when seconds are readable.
8.40.44
